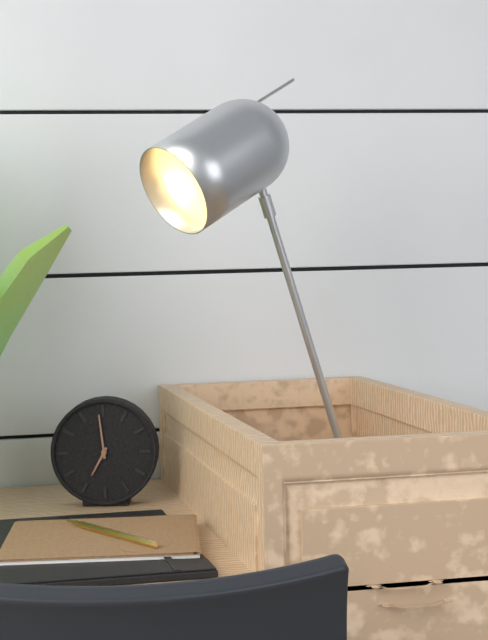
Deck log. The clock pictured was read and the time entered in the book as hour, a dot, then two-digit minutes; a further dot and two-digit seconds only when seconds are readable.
6.59
